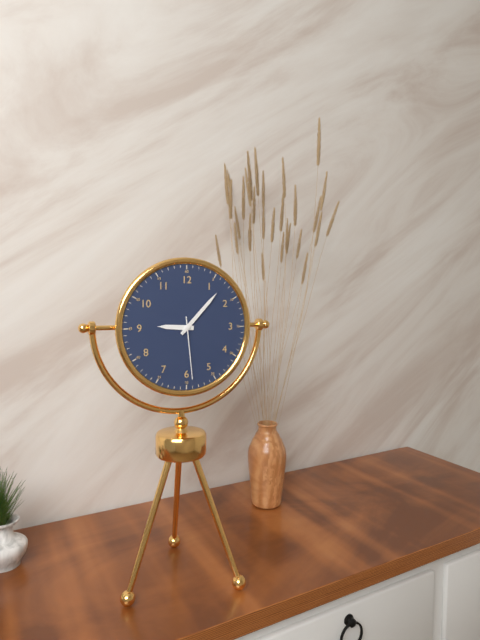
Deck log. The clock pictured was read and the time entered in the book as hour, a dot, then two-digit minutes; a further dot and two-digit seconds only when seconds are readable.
9.07.29
